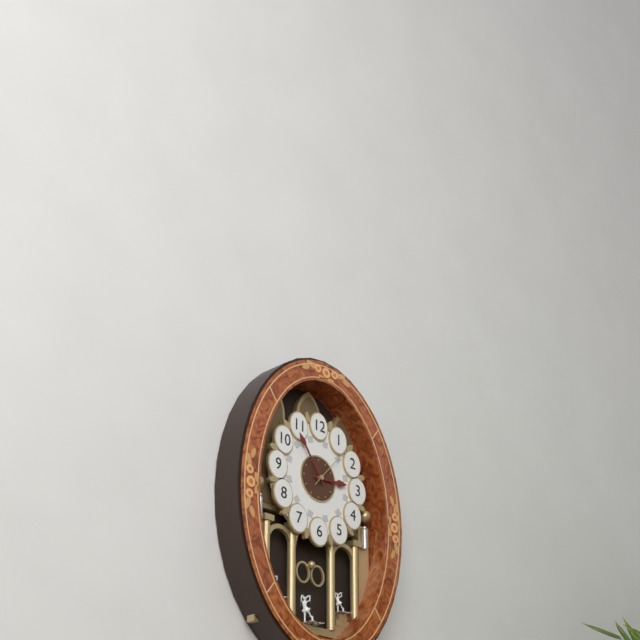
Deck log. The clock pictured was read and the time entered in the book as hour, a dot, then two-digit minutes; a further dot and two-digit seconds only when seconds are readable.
2.54
